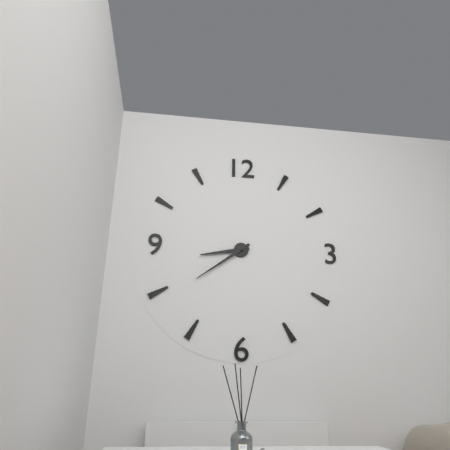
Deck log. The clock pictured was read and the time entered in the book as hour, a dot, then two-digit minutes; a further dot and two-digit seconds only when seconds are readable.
8.39
